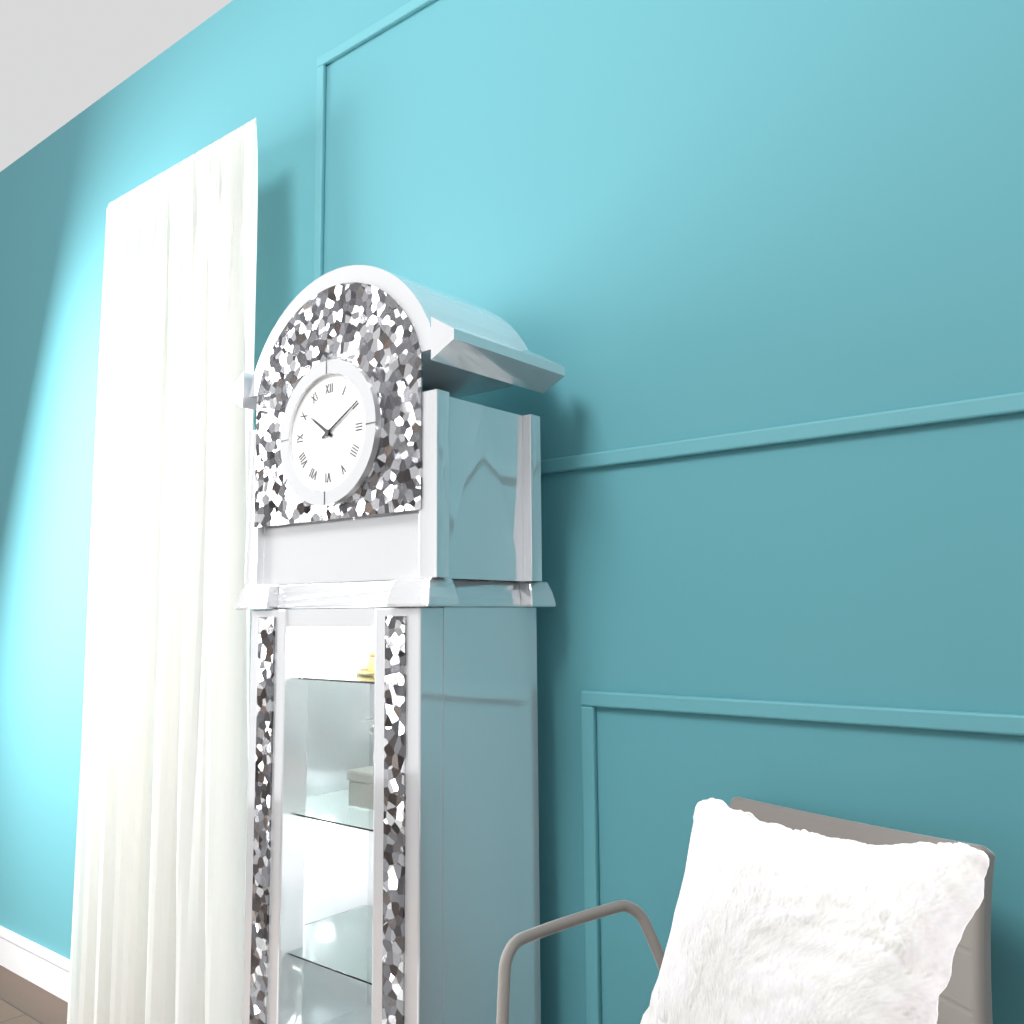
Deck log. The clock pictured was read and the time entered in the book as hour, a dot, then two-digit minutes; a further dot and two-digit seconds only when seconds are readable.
10.10
